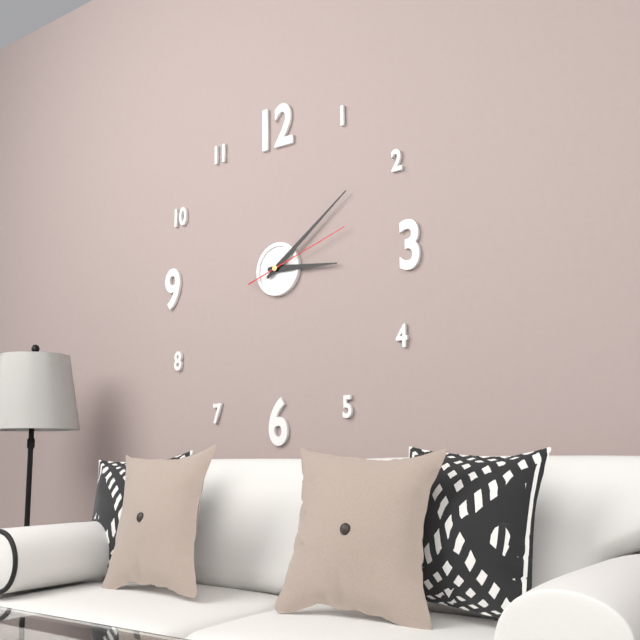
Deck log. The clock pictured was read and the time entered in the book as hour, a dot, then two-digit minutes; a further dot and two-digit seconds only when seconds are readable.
3.09.12
